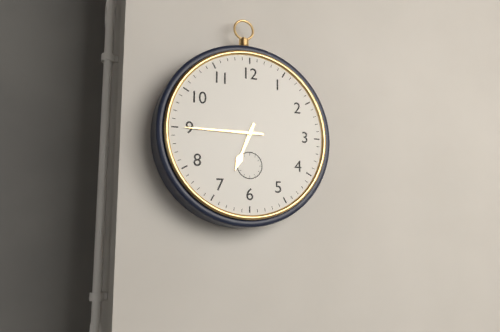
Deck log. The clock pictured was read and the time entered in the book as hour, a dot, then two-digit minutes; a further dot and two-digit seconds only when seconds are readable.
6.45
